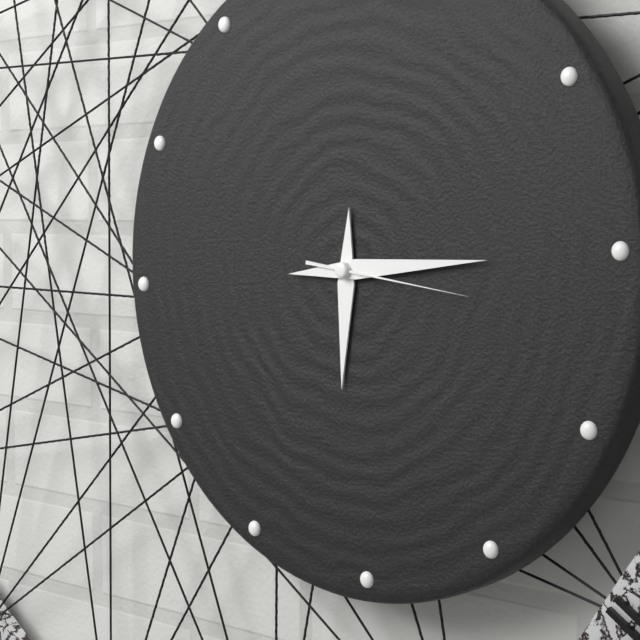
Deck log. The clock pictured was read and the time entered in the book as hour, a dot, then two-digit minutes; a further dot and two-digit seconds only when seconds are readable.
6.15.17
